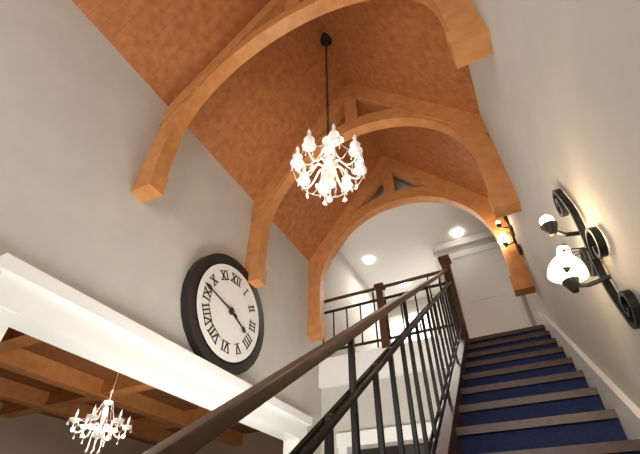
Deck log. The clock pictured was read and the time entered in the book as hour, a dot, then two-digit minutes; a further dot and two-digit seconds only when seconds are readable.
3.47
